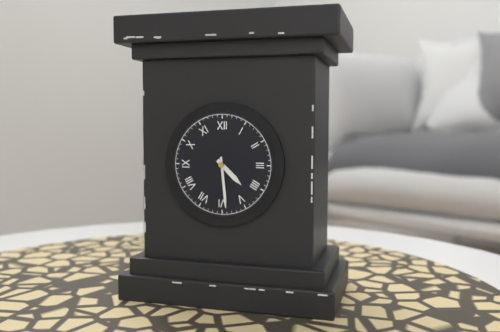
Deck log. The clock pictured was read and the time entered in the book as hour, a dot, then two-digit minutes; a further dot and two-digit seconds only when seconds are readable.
4.29
